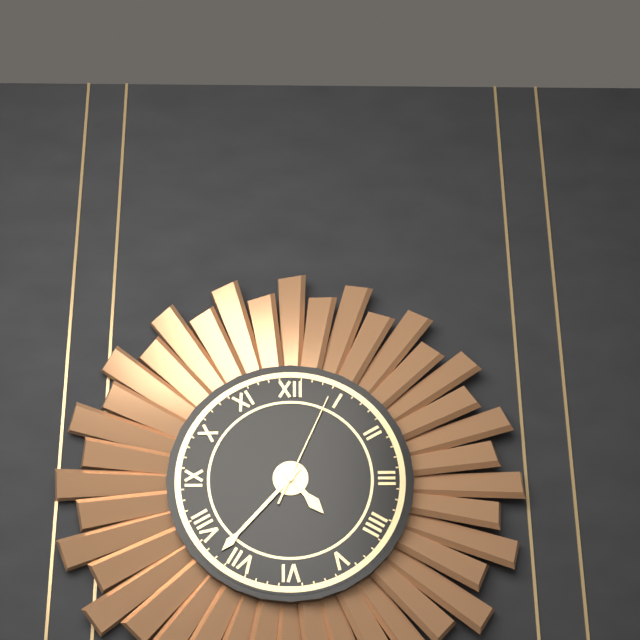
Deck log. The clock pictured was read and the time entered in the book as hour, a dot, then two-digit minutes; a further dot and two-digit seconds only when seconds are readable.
4.37.04
